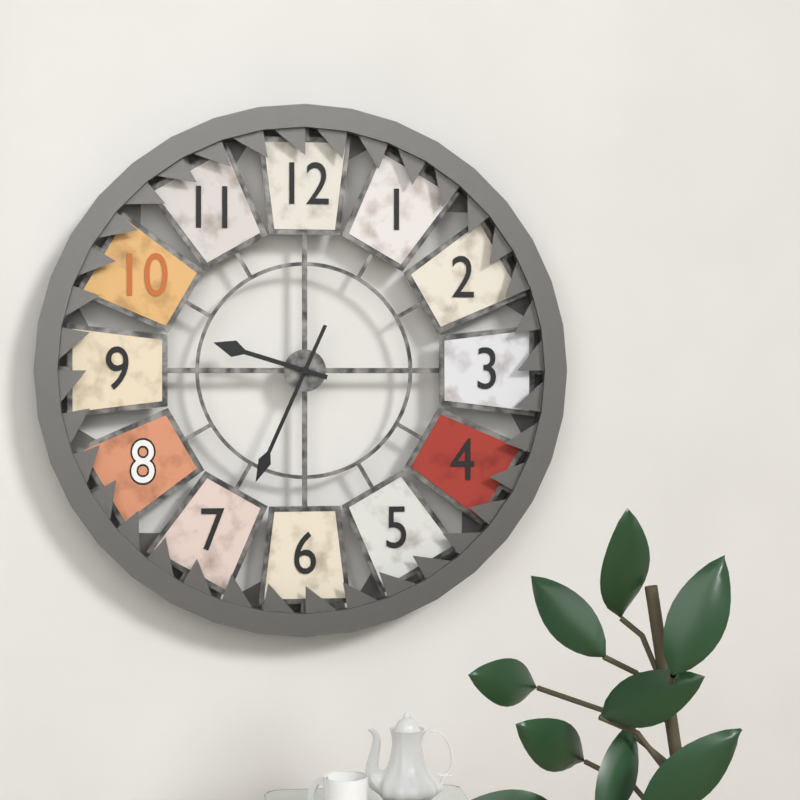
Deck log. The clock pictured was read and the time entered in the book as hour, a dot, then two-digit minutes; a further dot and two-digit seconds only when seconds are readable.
9.34
